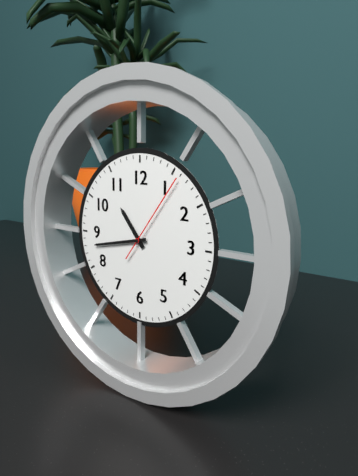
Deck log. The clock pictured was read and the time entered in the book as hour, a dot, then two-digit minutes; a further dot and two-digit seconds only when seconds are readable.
10.43.06
